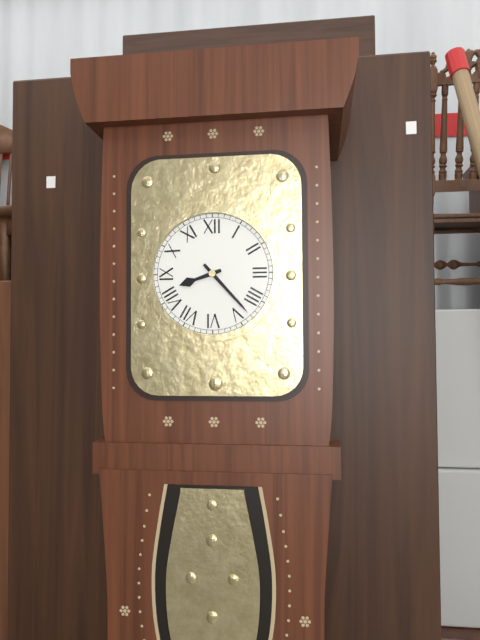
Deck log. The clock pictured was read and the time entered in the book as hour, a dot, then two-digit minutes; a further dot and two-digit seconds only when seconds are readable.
8.23
